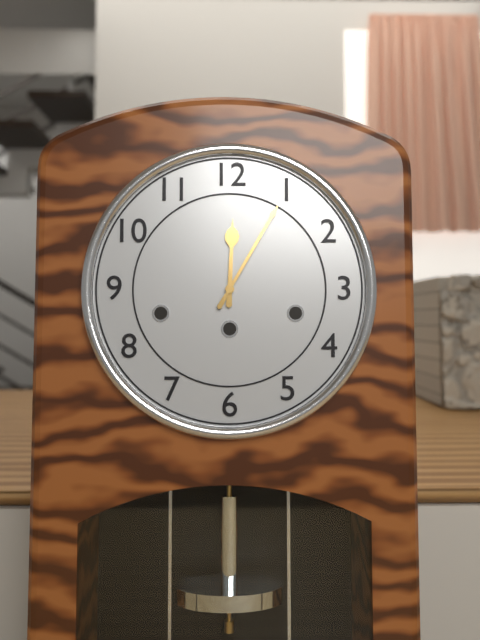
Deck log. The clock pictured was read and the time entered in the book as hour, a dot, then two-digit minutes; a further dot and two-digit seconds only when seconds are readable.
12.05
